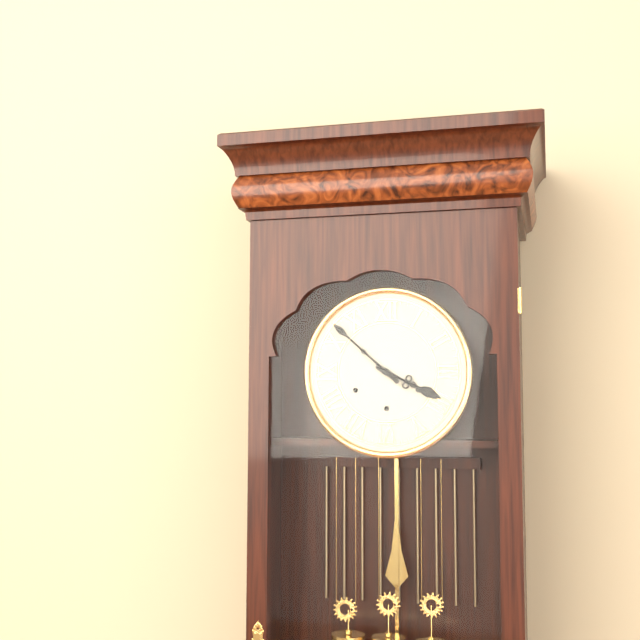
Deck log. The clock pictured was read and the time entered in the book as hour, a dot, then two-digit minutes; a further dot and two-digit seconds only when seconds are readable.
3.52
